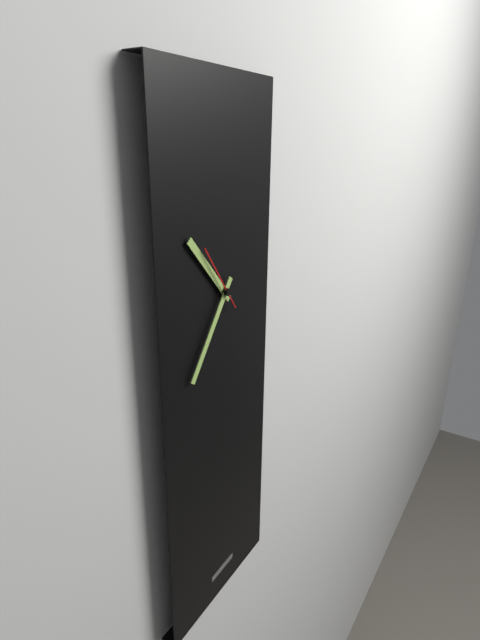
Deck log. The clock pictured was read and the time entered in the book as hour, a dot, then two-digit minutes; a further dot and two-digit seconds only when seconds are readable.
10.36.54
